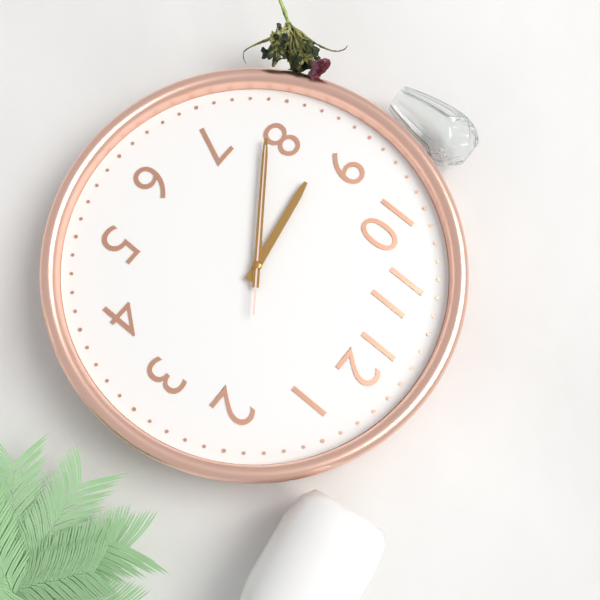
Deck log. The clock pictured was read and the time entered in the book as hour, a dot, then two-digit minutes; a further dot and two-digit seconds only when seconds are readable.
8.39.39
